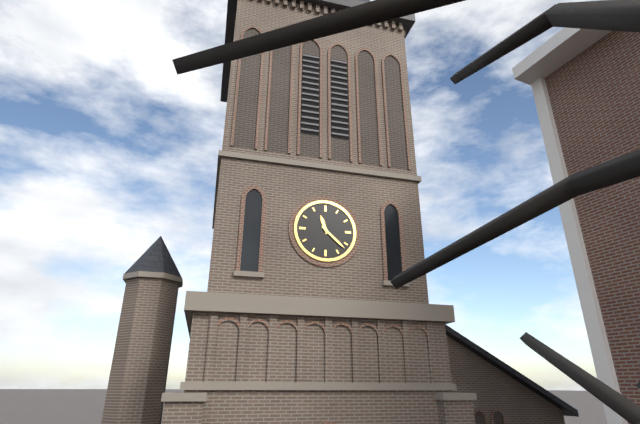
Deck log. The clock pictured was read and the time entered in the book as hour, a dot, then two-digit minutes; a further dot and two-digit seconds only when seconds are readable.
11.22
